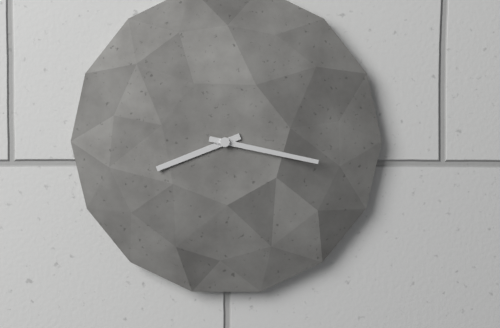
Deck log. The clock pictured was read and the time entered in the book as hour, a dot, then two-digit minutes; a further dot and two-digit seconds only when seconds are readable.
8.17
